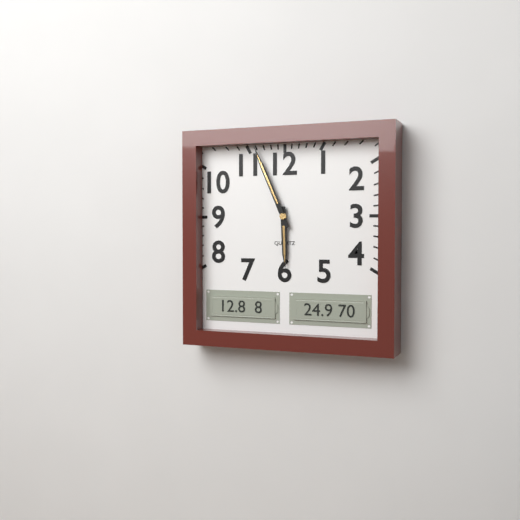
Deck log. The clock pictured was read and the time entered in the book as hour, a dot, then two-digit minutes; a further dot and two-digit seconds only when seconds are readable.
5.56
